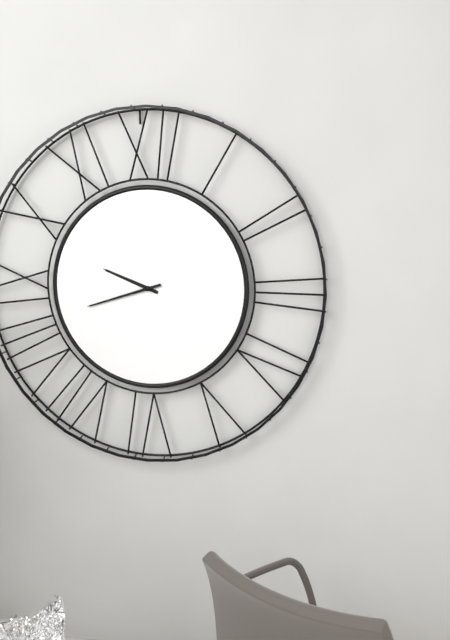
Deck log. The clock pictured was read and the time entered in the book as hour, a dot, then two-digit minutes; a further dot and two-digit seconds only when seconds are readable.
9.42
